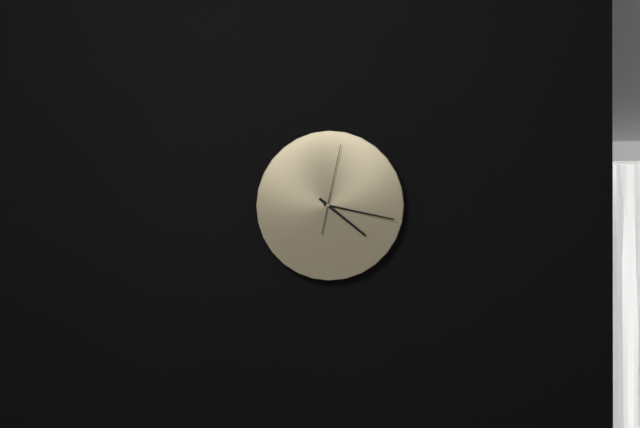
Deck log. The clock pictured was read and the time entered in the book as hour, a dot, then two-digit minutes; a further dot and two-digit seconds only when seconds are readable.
4.17.02
